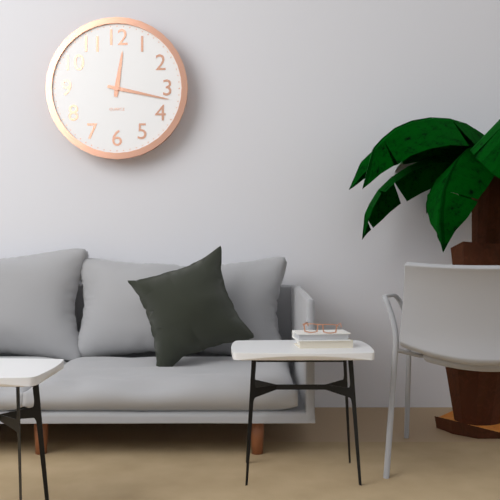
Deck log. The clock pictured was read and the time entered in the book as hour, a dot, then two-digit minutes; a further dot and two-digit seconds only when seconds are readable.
12.17
